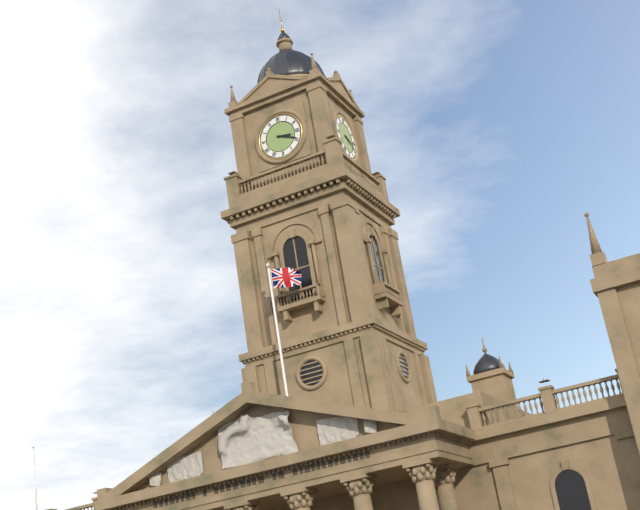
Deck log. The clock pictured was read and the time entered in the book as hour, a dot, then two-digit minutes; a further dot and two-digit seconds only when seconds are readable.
3.19
